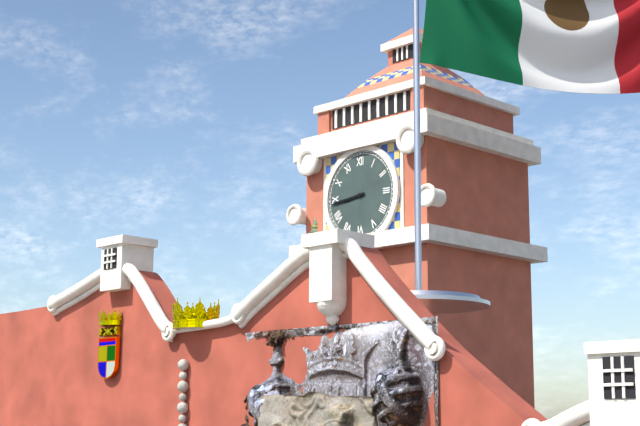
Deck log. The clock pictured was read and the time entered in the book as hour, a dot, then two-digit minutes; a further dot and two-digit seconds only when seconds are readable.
8.44
